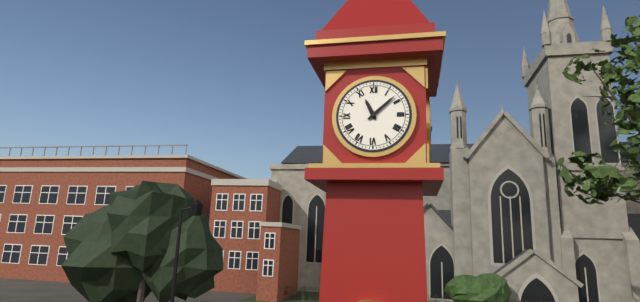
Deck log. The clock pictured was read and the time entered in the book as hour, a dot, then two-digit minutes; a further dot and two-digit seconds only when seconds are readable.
11.08
